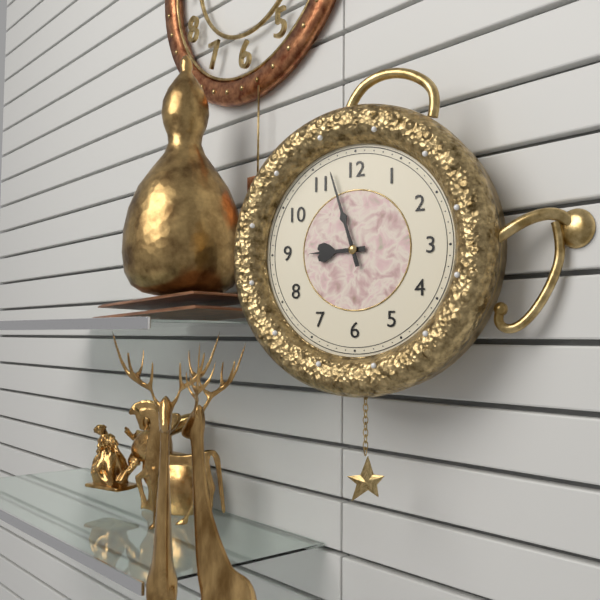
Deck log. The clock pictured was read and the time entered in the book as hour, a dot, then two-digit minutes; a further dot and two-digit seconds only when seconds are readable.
8.57
